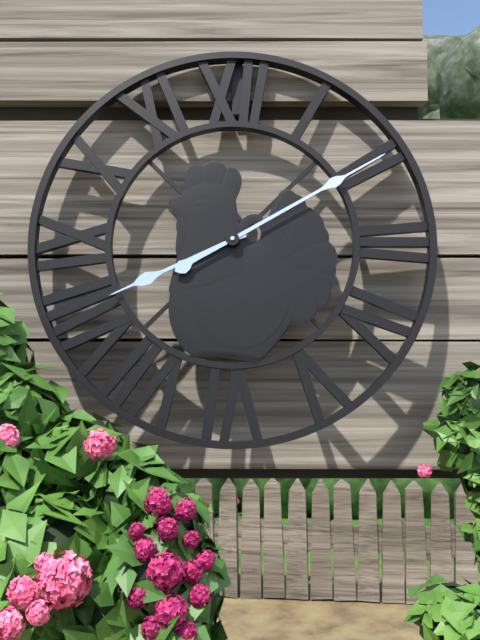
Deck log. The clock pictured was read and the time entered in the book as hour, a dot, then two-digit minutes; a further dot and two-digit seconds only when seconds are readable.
8.10
